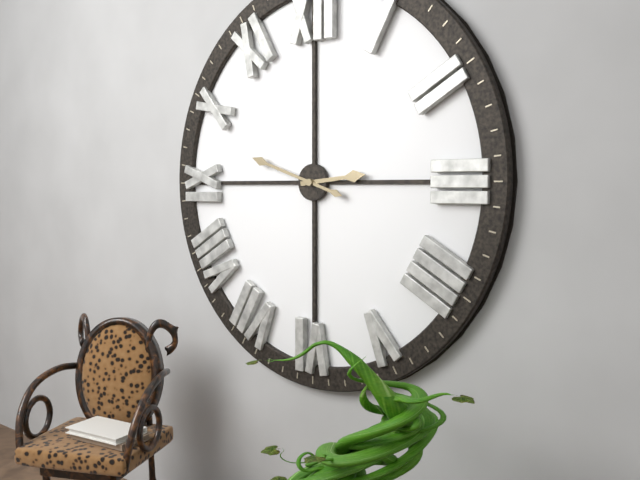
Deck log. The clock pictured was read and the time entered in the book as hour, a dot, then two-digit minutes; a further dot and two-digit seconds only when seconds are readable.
2.48
